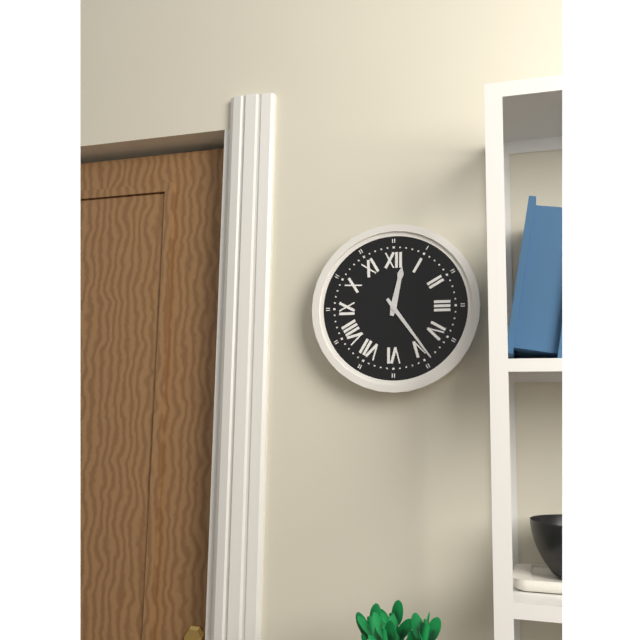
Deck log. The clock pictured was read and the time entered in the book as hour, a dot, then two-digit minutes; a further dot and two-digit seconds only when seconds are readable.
12.24
